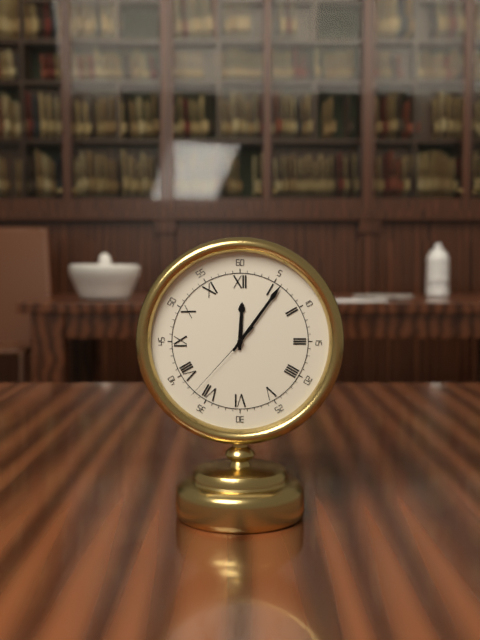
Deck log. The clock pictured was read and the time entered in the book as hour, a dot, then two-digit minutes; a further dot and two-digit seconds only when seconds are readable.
12.06.37
